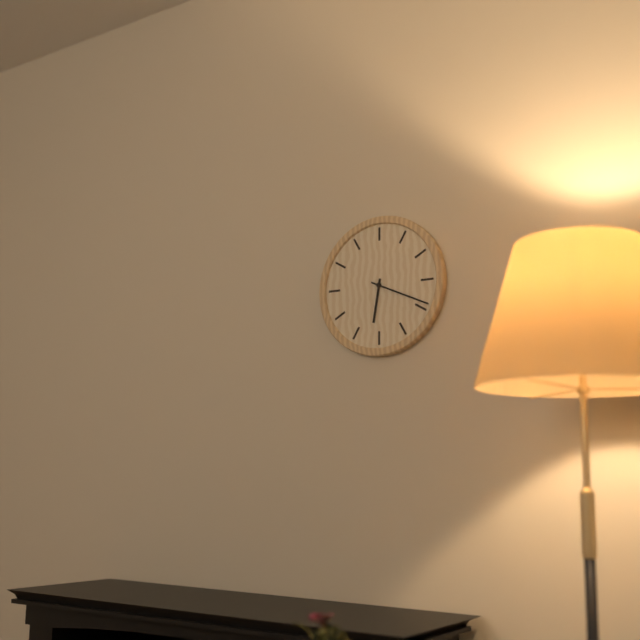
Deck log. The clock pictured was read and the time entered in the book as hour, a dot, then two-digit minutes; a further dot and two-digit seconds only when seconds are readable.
6.19
